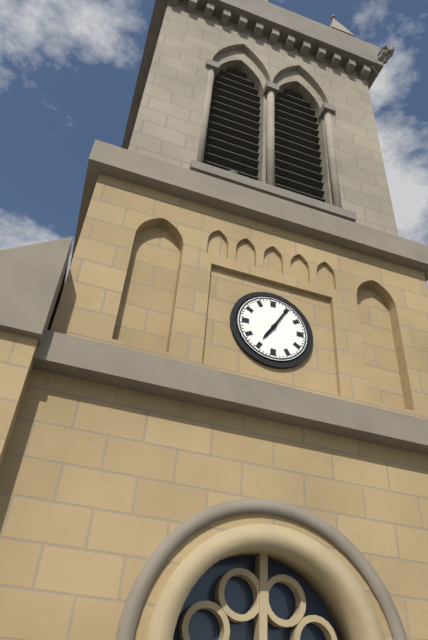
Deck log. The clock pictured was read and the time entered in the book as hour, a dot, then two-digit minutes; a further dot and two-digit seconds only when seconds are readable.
7.05
